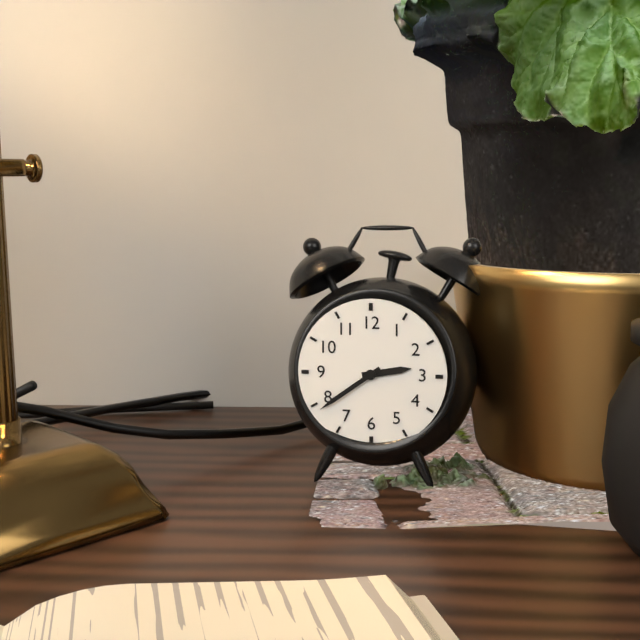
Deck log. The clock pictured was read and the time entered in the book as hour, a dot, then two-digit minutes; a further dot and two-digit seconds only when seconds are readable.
2.39
